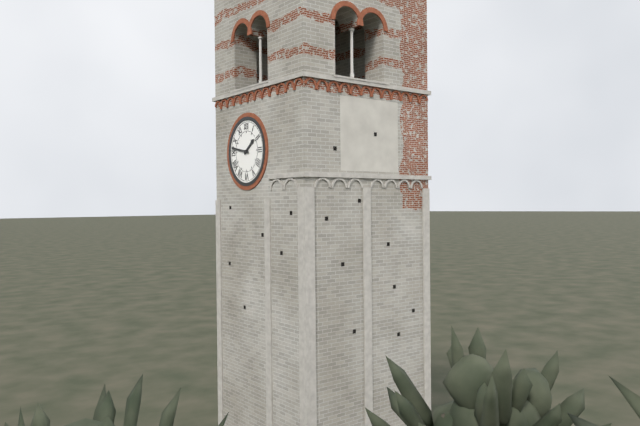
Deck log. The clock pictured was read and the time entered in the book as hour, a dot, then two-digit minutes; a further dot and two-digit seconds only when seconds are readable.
1.47
